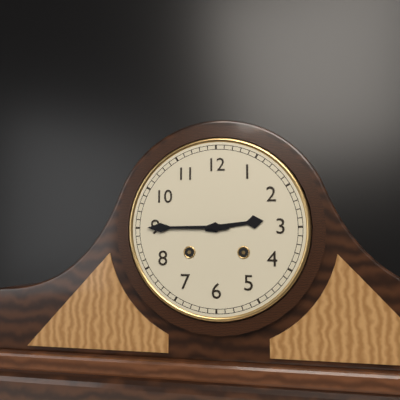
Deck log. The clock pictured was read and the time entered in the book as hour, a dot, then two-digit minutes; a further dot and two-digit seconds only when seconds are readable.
2.45
